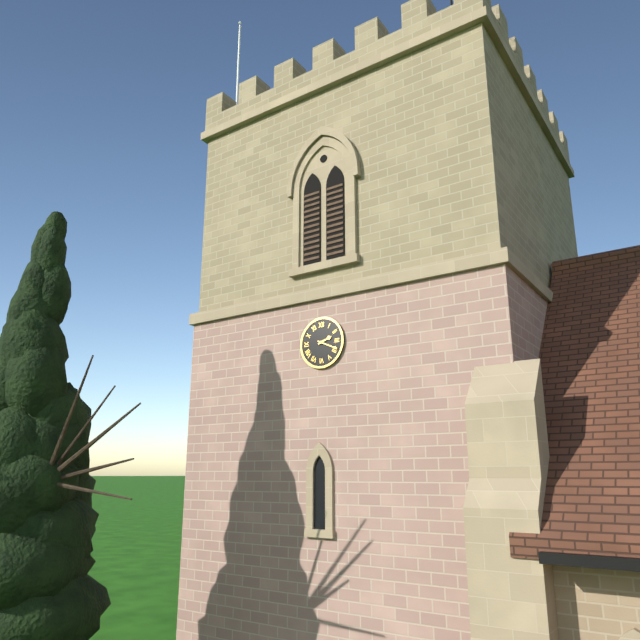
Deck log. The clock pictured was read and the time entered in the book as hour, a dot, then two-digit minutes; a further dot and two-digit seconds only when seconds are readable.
2.19
